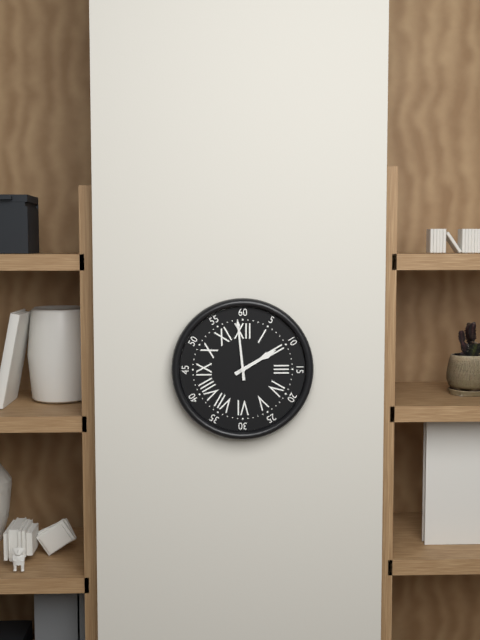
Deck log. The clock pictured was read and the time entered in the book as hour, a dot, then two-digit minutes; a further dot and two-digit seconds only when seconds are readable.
1.59
